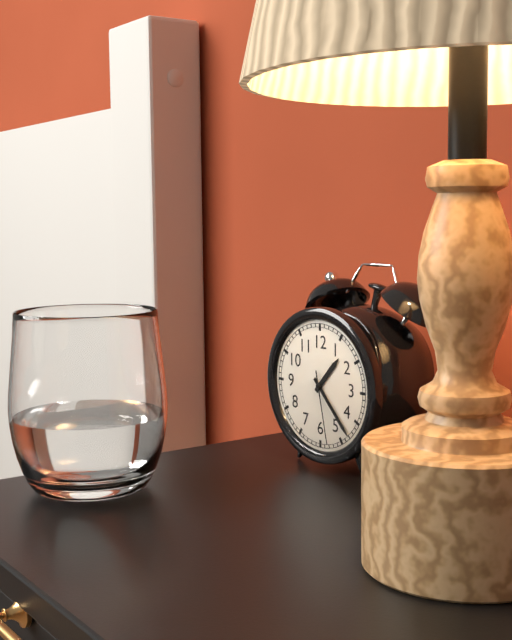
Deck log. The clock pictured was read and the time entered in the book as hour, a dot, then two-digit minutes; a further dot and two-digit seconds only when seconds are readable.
1.23.28
